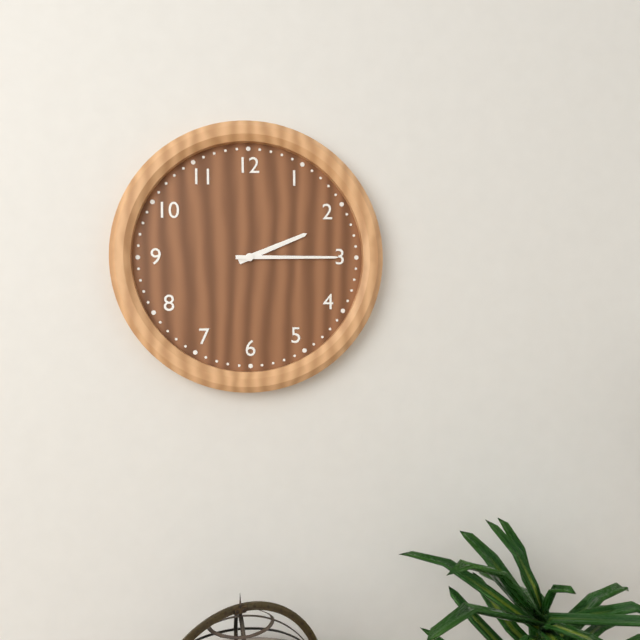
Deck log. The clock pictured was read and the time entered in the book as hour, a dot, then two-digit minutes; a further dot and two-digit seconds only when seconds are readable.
2.15
